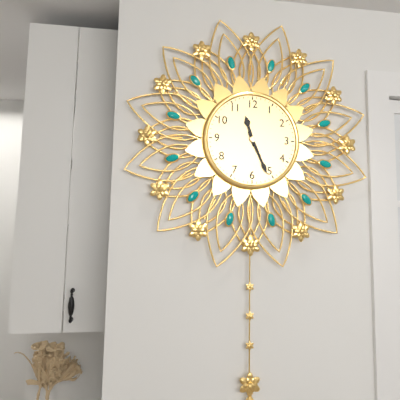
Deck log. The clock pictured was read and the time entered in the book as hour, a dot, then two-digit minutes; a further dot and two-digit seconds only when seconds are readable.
11.26
